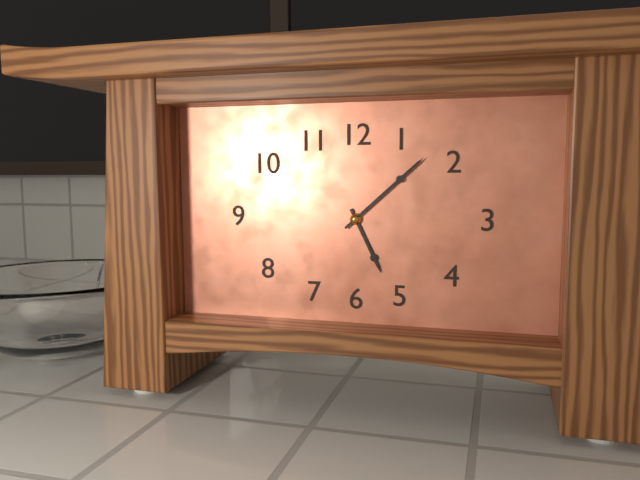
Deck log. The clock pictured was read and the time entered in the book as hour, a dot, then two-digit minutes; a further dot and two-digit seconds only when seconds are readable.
5.08
